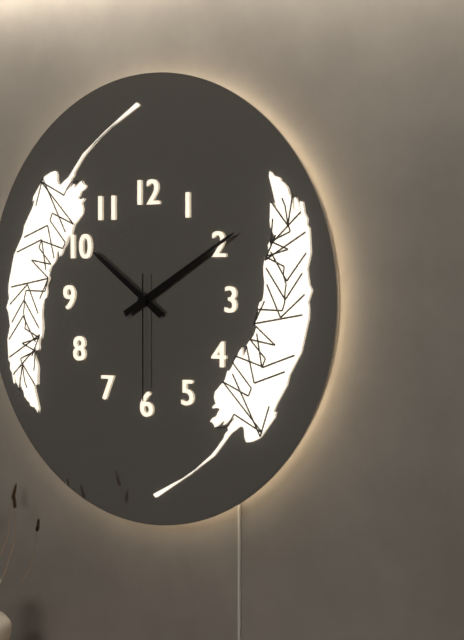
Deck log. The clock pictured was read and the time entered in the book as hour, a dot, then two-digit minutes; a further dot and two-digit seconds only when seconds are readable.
10.10.30
